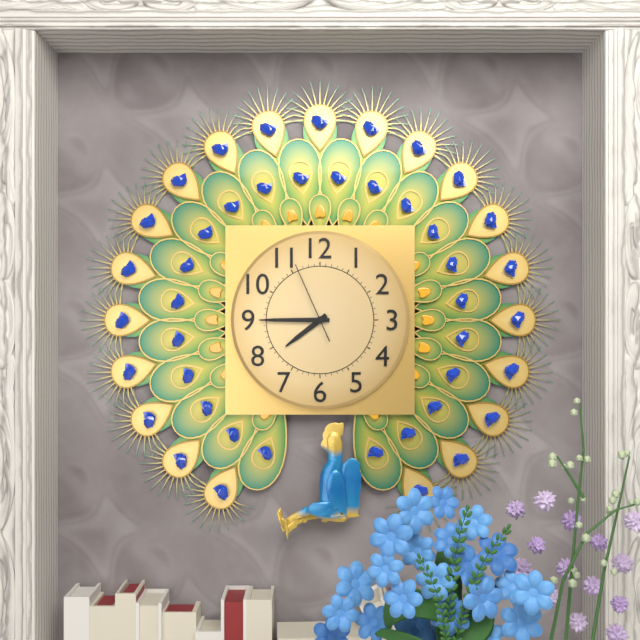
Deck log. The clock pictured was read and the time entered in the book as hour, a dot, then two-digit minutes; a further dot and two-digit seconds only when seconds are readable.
7.45.56
